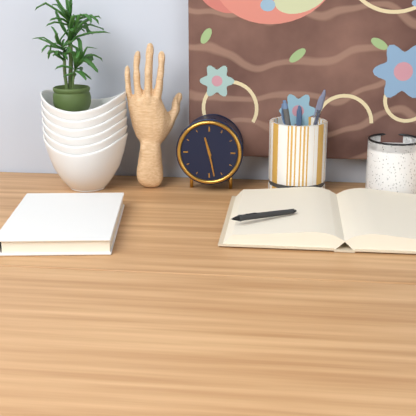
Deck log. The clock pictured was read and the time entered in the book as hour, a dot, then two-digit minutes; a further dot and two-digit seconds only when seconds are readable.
11.28
